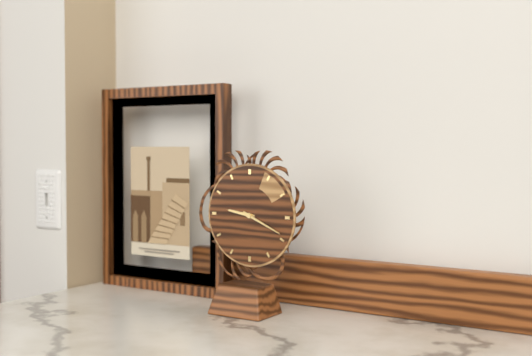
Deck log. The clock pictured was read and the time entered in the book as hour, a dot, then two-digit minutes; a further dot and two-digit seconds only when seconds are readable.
9.19
